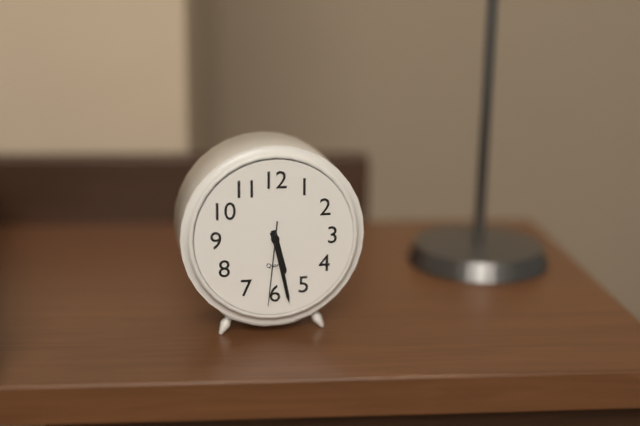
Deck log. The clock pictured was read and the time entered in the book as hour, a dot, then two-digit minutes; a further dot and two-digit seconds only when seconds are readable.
5.28.31
